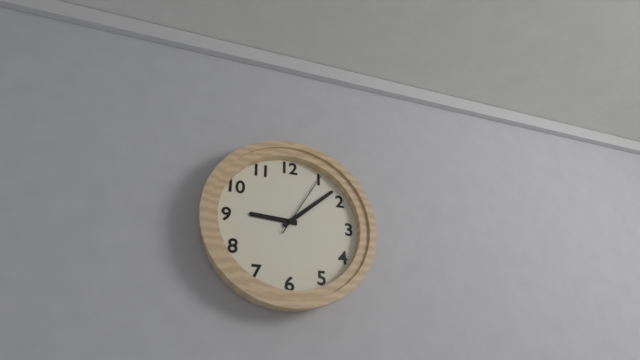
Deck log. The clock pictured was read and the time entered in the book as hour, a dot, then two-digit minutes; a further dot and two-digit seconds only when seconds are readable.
9.08.05
